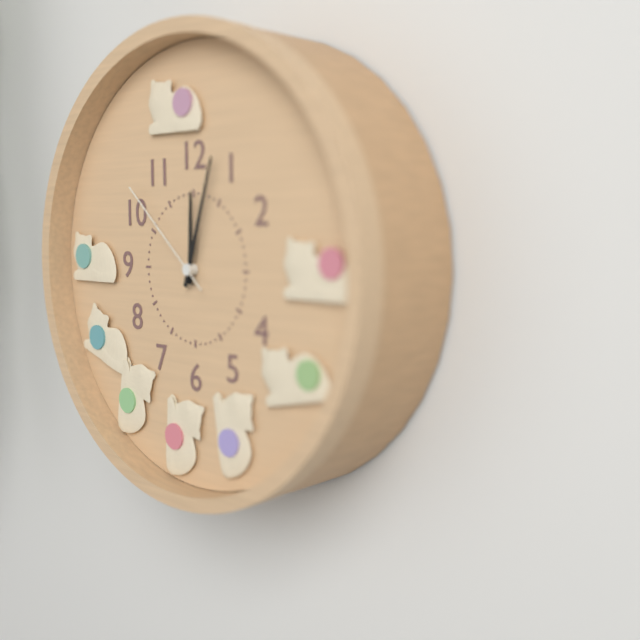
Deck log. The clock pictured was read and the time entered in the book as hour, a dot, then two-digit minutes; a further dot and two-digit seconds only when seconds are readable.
12.03.52
